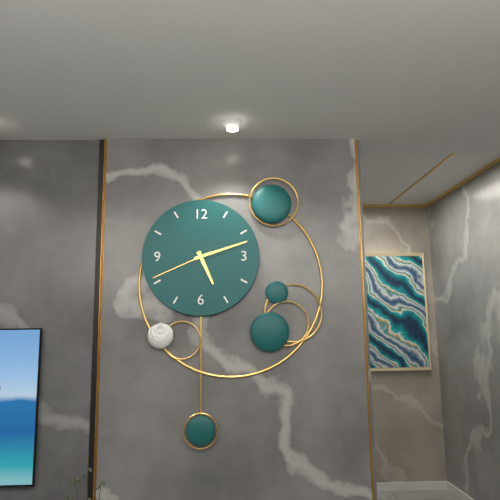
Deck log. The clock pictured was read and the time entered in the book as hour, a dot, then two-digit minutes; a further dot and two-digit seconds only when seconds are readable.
5.12.41
